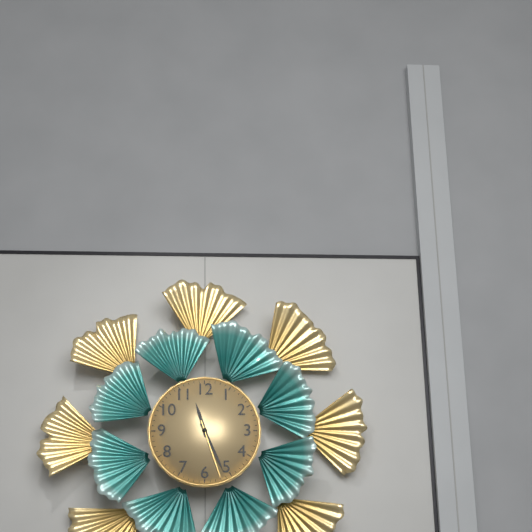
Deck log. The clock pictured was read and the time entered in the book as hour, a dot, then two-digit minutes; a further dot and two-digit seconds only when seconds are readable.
11.26.27
